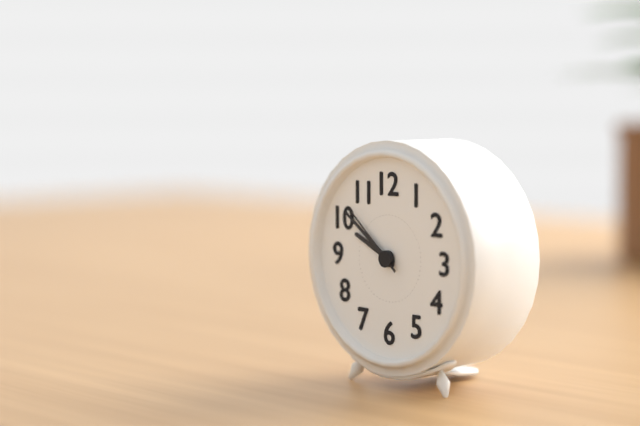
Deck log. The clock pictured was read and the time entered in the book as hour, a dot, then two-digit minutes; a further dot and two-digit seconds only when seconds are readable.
9.51.52
